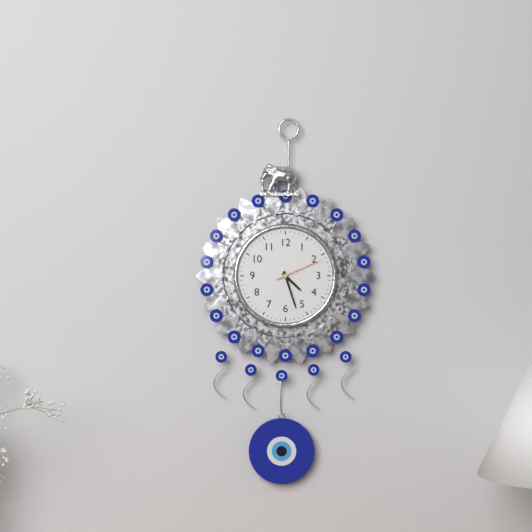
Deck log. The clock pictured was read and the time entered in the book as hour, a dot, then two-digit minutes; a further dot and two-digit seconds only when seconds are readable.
4.27
